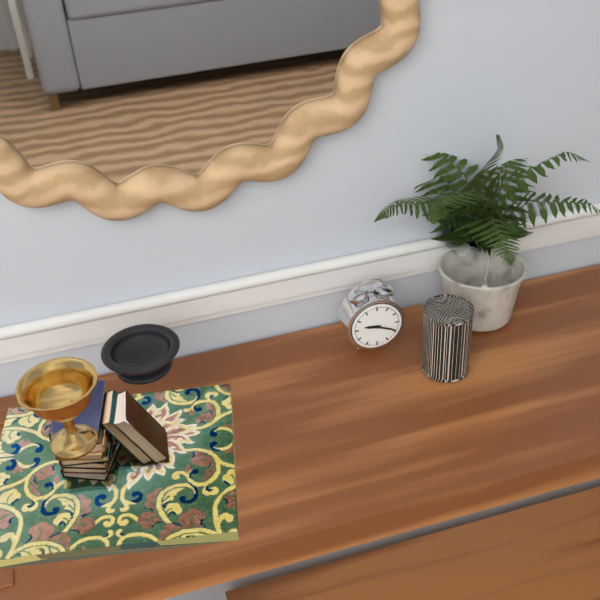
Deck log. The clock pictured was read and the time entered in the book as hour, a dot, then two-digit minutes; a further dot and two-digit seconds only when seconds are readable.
9.19
